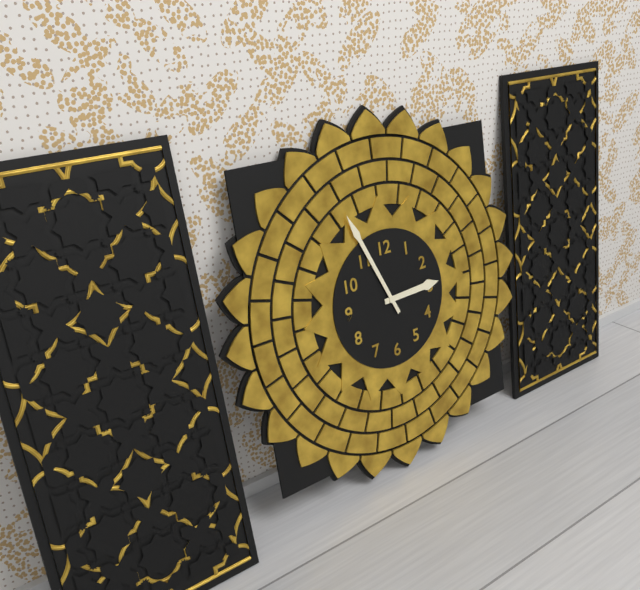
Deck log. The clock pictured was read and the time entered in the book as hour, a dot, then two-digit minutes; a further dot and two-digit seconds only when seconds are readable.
2.56
